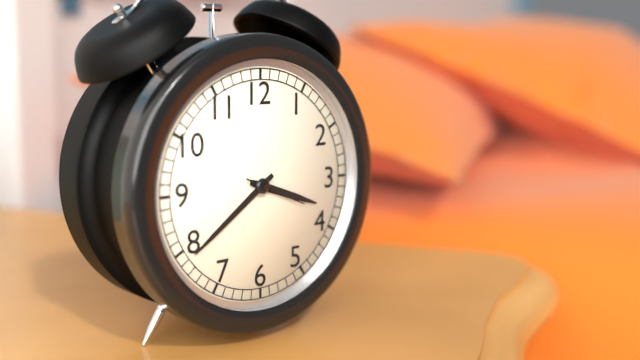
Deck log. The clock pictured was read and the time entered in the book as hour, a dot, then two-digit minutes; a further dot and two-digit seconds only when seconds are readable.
3.39.19
